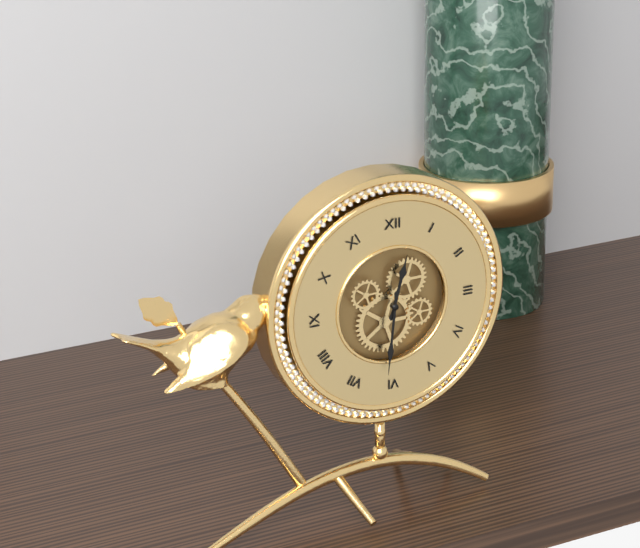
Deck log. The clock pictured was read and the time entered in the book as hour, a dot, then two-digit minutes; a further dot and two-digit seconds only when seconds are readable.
12.31
